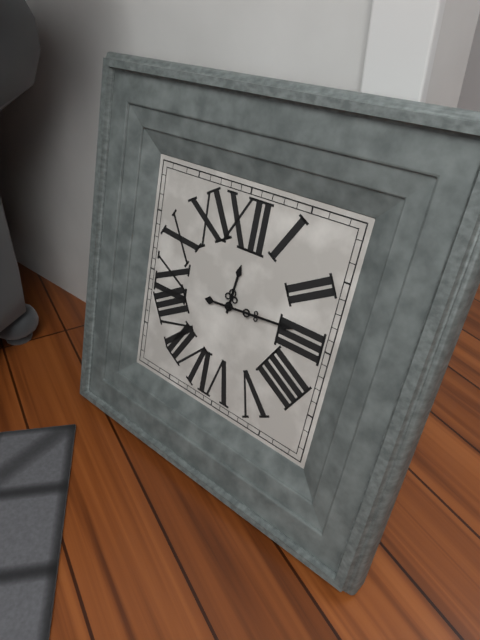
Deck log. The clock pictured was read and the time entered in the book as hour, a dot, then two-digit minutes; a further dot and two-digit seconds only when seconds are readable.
12.14
